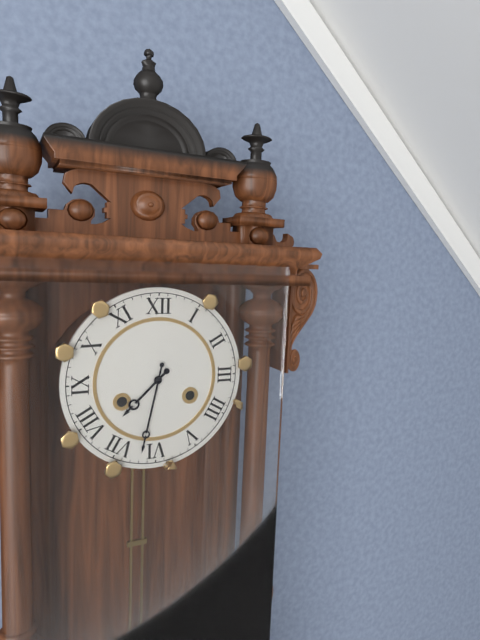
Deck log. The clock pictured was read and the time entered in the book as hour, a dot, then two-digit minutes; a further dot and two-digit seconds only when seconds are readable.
7.32
